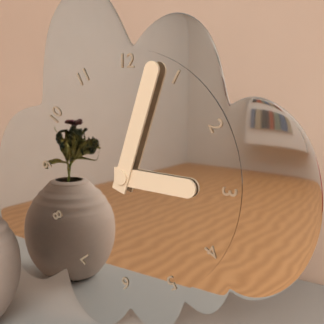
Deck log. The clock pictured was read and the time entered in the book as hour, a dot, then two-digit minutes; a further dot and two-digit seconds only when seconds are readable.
3.03
